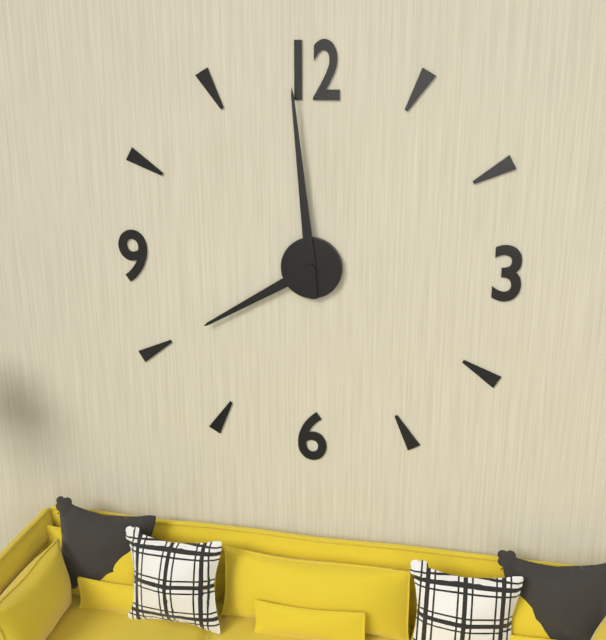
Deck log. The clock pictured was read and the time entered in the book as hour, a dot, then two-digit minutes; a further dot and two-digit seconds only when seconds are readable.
7.59
